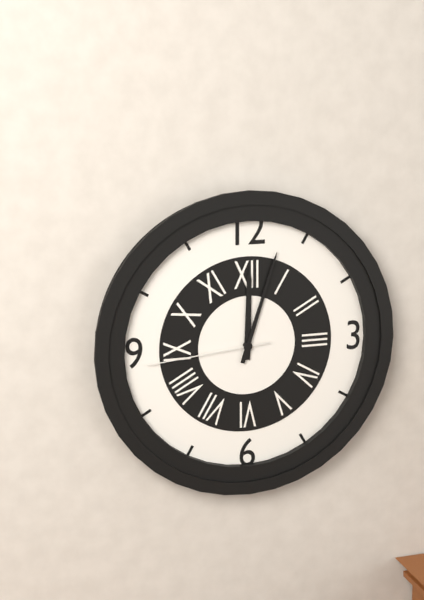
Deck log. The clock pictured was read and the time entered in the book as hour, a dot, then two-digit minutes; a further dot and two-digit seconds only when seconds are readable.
12.03.44
